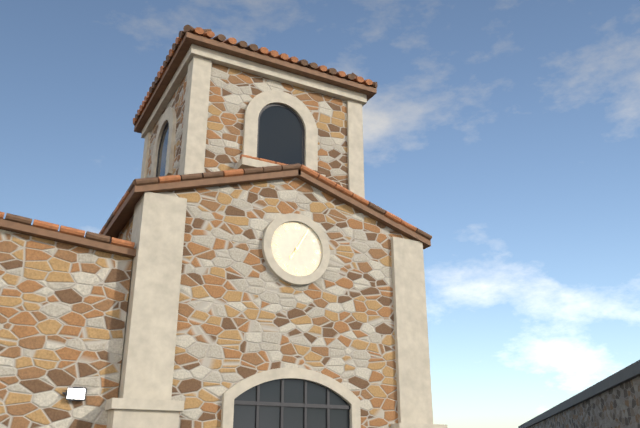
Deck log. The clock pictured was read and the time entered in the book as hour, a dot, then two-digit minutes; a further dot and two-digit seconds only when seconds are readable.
7.05
